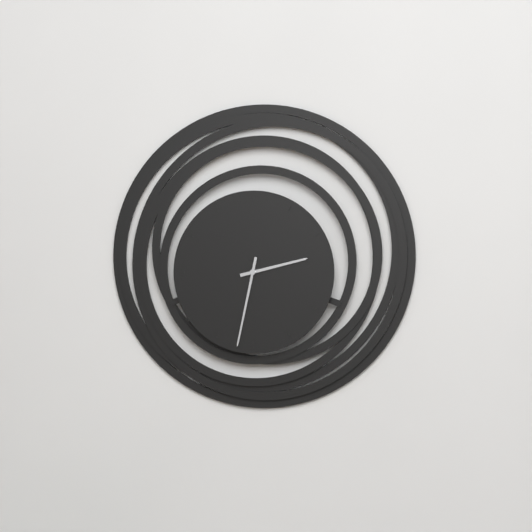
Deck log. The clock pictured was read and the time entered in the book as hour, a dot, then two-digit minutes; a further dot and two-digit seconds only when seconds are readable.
2.32
